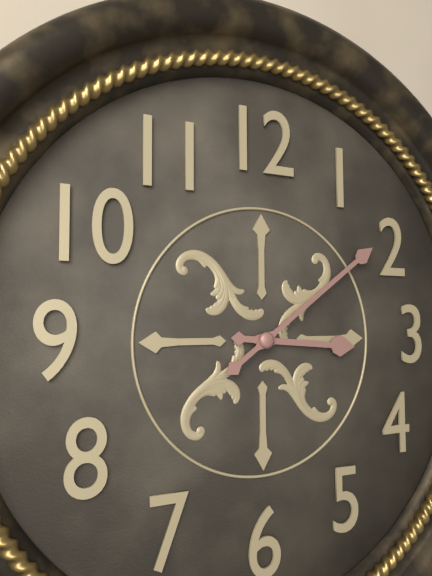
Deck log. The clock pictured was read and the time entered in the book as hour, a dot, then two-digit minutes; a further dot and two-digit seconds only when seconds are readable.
3.09
